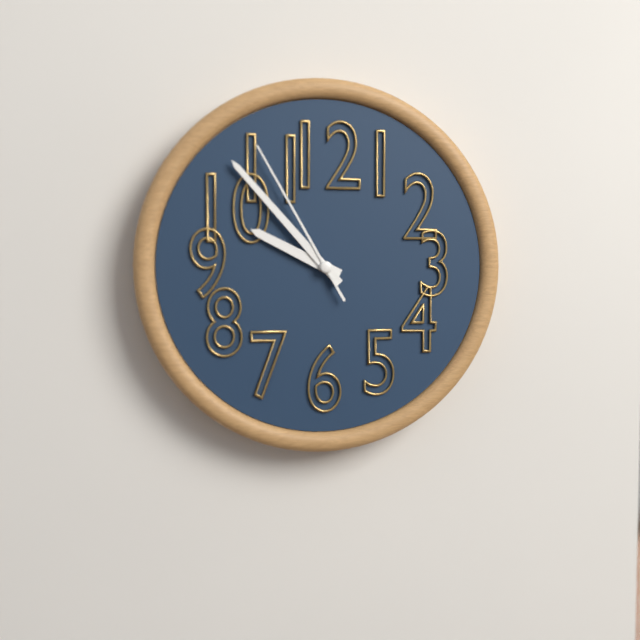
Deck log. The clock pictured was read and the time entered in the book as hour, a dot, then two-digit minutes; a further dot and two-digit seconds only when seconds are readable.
9.53.55
